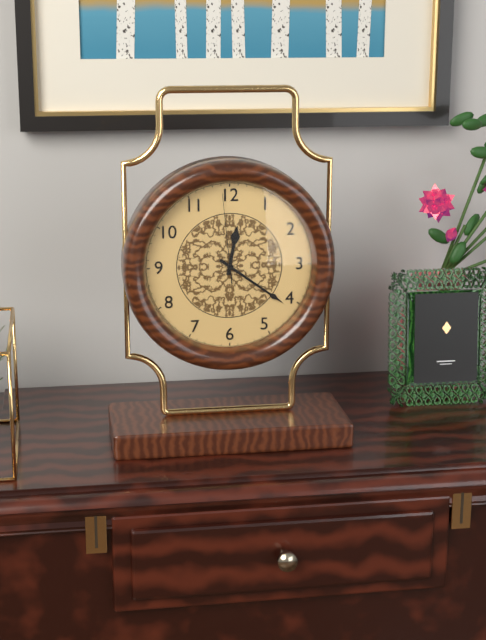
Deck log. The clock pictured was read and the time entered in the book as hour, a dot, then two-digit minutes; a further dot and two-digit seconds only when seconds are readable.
12.21.59
